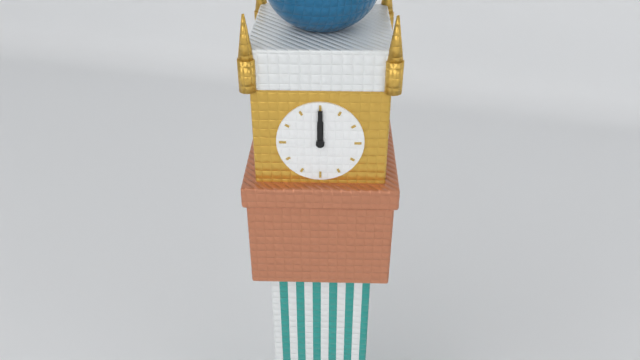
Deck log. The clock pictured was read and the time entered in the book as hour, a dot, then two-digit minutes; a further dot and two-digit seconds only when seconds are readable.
12.00
